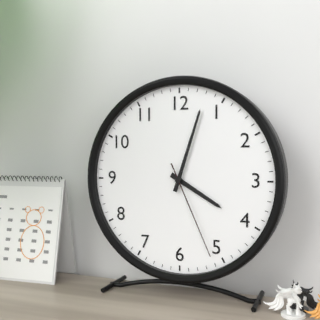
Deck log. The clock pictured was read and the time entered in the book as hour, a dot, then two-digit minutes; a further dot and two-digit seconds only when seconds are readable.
4.03.26
